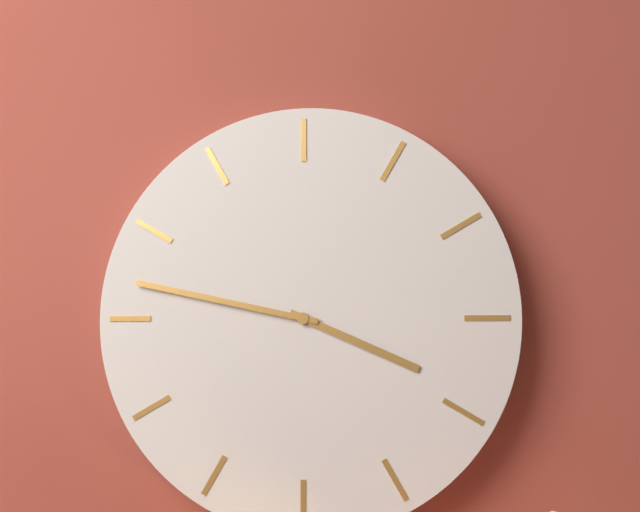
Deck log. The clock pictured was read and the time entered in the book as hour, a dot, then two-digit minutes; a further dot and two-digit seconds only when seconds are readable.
3.47
